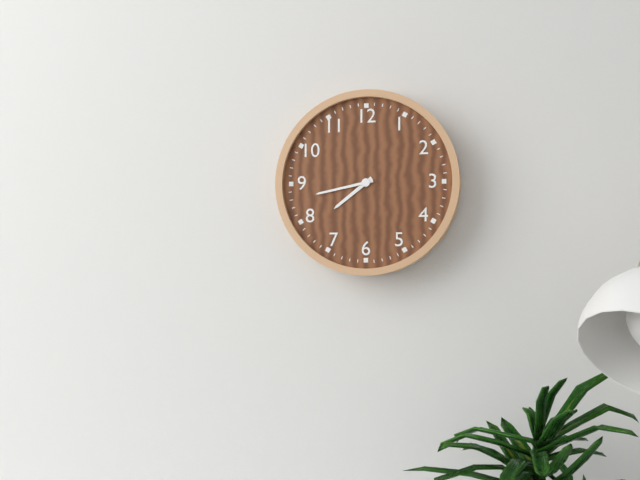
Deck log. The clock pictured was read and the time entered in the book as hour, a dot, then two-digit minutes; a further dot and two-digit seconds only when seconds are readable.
7.43
